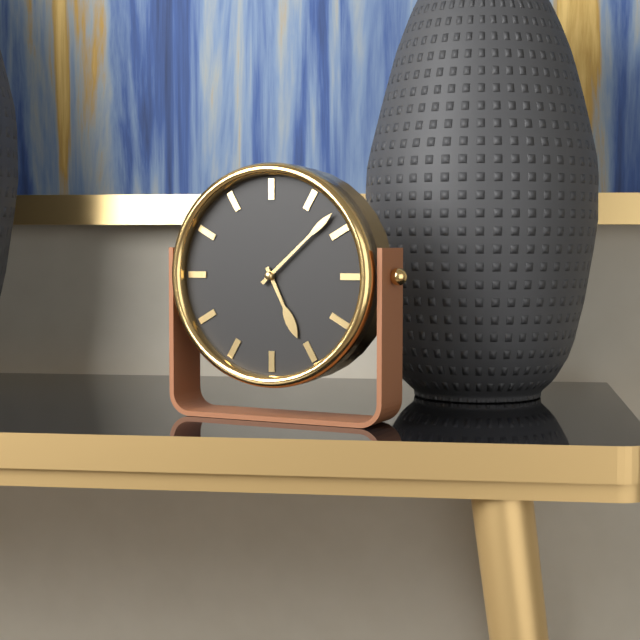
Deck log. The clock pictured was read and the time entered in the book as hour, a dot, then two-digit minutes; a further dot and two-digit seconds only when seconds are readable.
5.08
